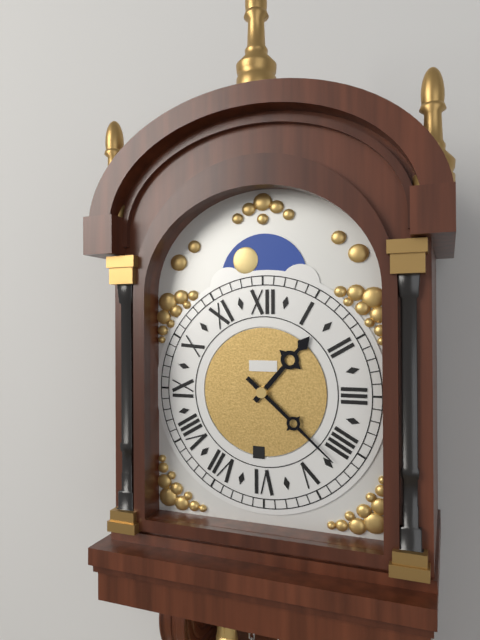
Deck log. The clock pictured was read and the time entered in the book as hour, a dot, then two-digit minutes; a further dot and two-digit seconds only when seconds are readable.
1.22
